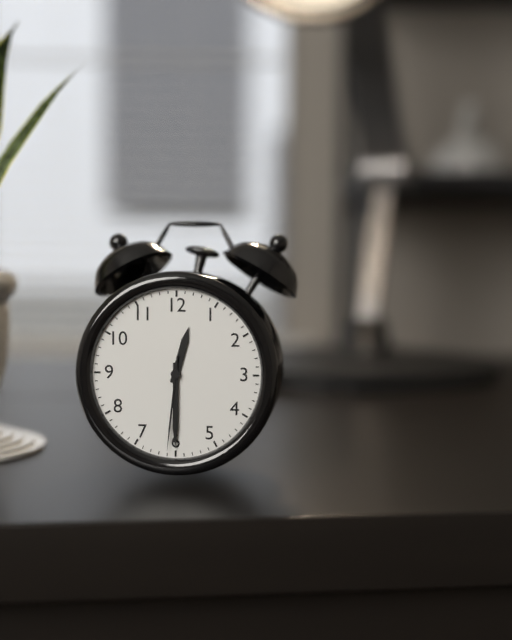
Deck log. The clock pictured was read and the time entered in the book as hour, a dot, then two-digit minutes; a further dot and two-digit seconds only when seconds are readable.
12.30.31
